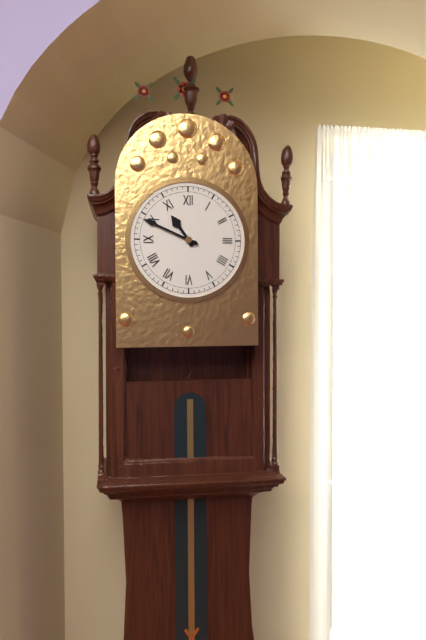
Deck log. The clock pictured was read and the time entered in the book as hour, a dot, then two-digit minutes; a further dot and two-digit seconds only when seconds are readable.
10.49
